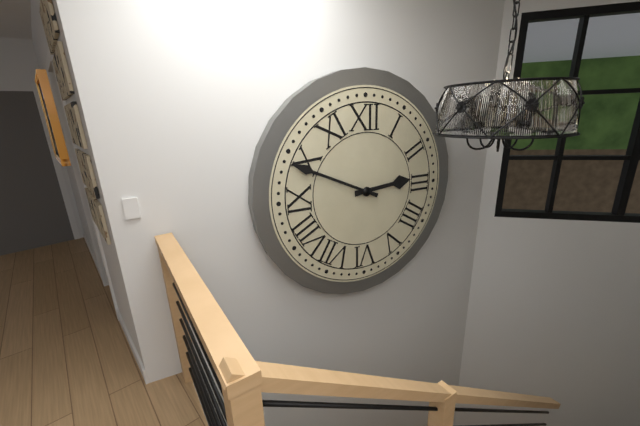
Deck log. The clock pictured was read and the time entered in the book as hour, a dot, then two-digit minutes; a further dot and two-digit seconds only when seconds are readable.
2.49
